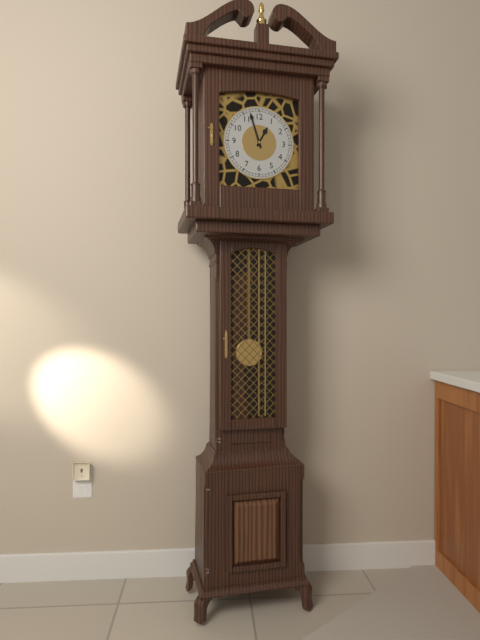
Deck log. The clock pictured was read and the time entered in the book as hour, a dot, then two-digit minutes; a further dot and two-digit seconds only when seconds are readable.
12.57
